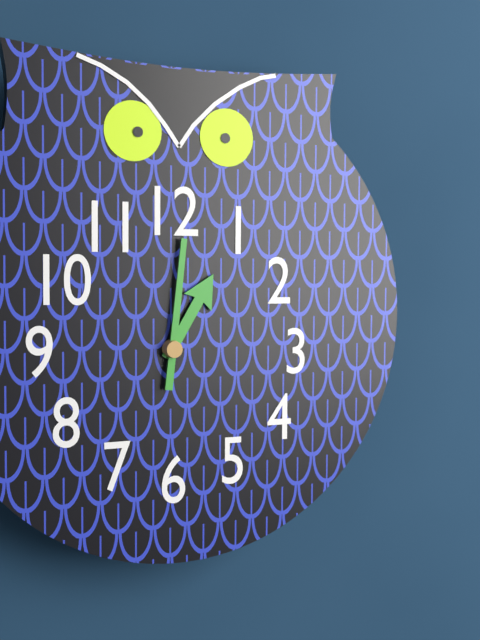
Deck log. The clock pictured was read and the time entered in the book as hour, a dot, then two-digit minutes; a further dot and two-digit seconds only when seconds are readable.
1.01
